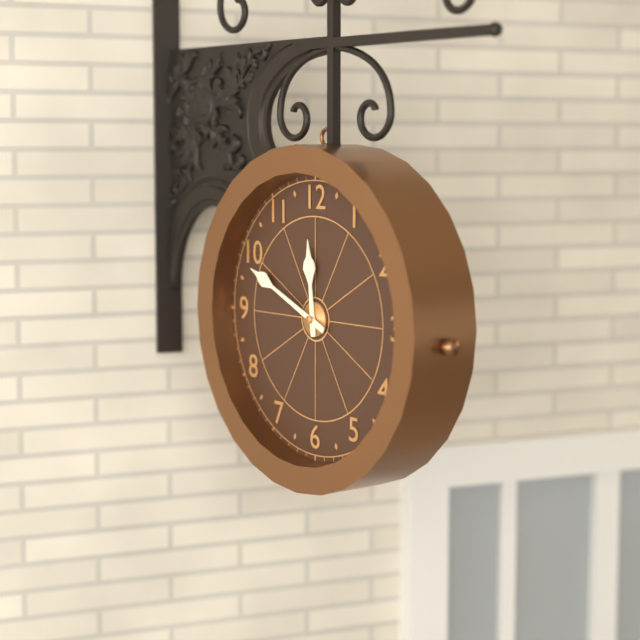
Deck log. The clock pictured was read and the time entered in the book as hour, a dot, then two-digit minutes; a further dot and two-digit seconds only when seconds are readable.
11.49
